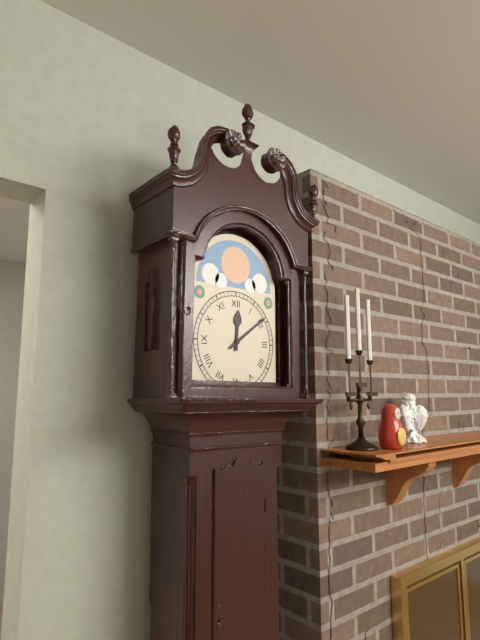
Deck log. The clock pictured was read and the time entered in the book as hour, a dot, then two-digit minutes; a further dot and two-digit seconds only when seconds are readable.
12.09
